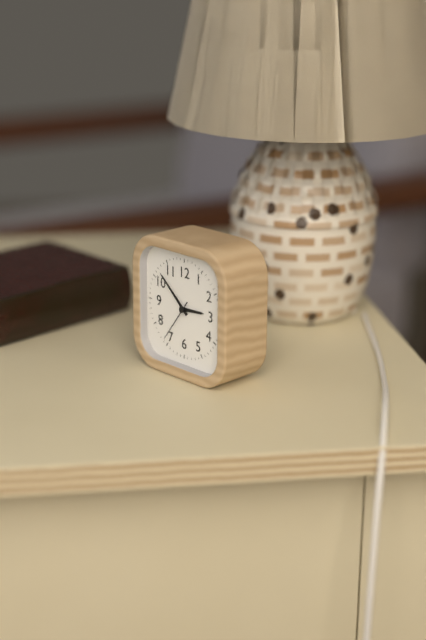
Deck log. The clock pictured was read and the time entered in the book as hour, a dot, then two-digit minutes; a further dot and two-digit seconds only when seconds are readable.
2.52
